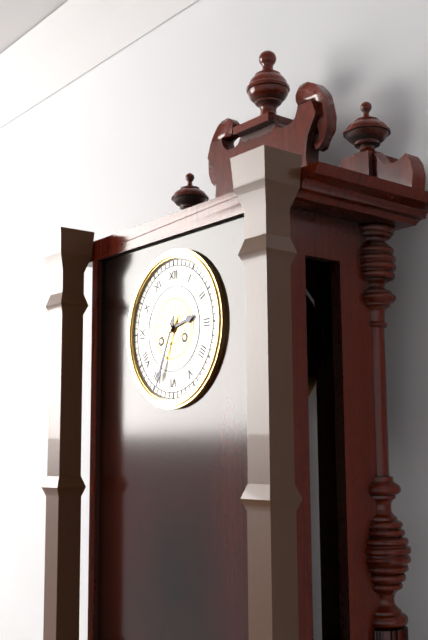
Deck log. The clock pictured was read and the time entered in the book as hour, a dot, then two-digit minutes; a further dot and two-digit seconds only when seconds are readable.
2.34
